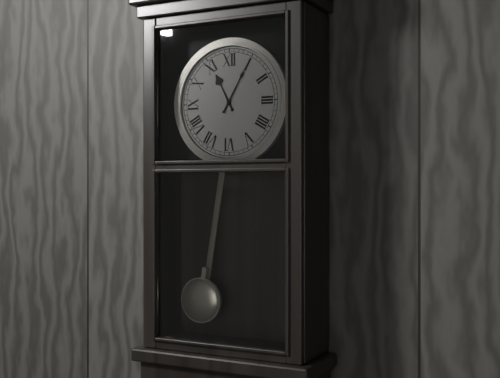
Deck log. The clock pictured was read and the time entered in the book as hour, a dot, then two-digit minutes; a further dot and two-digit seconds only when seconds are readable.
11.05
